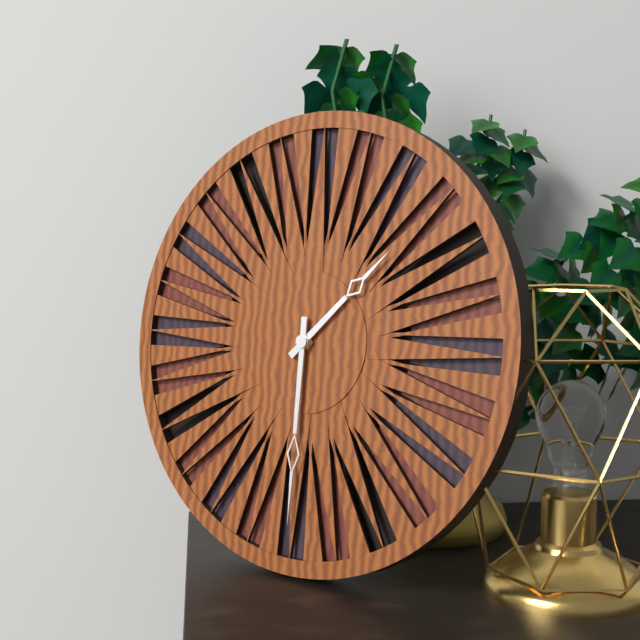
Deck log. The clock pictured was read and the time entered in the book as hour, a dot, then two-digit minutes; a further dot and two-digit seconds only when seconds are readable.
1.30
